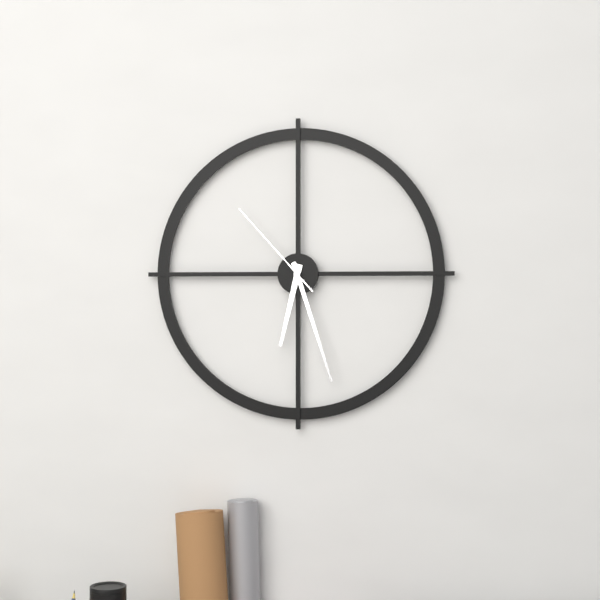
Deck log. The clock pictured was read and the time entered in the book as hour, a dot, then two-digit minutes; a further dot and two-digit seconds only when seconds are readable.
6.27.53
